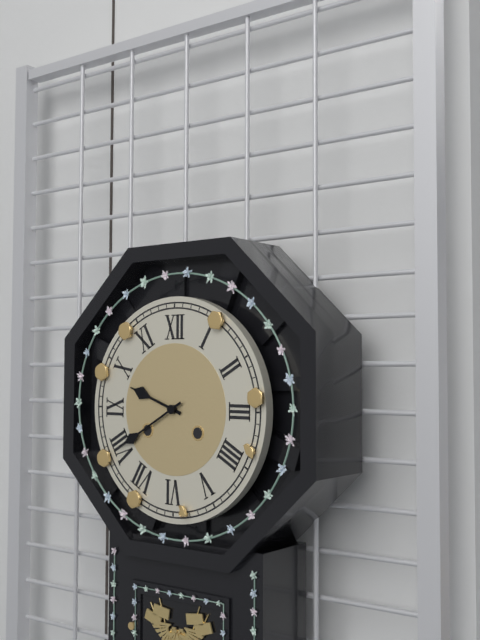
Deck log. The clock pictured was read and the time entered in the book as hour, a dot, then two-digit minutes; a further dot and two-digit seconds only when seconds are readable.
9.40
